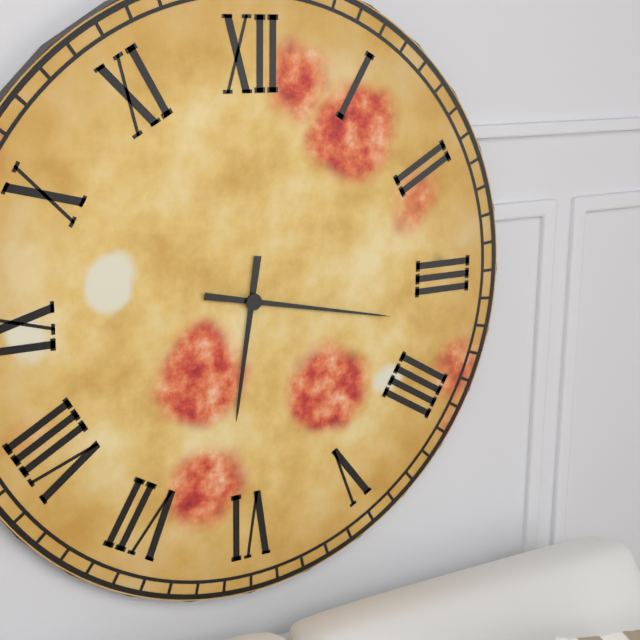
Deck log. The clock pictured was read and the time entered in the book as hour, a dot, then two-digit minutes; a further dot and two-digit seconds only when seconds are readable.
6.17
